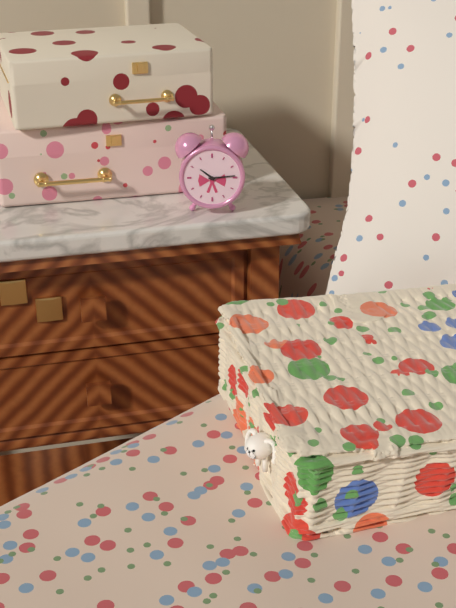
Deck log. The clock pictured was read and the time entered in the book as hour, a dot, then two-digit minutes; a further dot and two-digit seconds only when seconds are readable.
10.14
